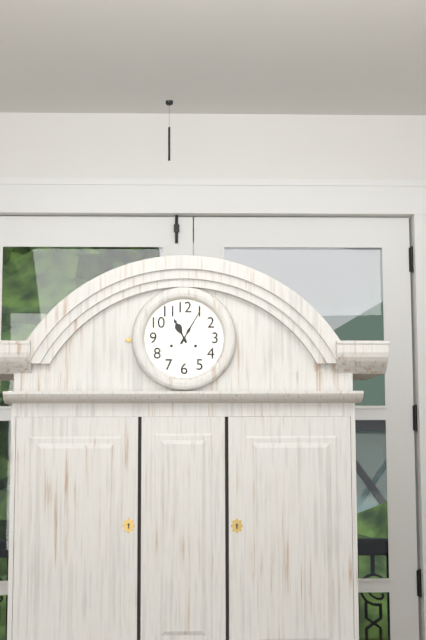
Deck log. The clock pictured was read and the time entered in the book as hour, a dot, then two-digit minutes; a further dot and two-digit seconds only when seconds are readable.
11.05
